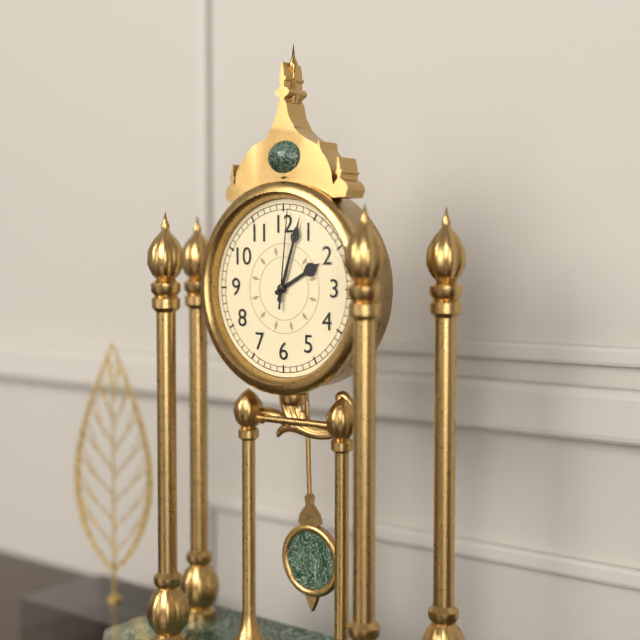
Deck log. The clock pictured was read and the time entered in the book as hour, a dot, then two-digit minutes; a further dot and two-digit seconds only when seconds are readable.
2.03.01
